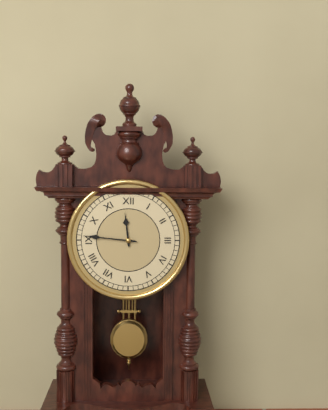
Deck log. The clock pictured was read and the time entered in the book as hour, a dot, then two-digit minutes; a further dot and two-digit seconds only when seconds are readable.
11.46
